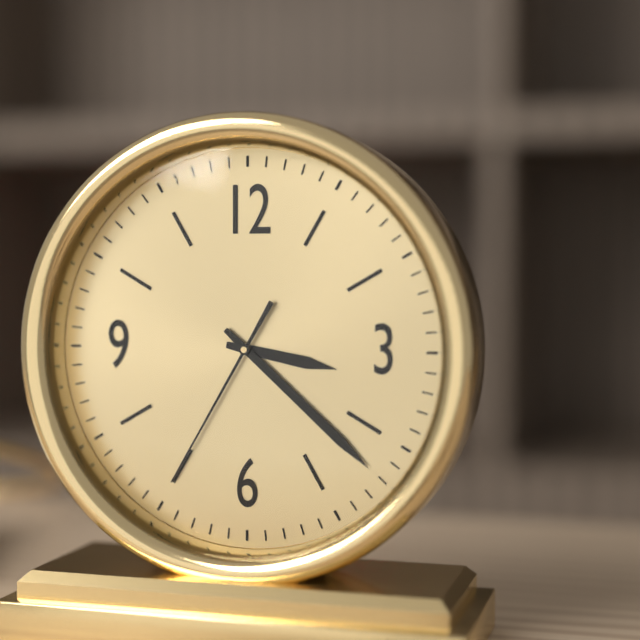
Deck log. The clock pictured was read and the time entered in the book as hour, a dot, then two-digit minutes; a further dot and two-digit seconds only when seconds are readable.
3.22.35
